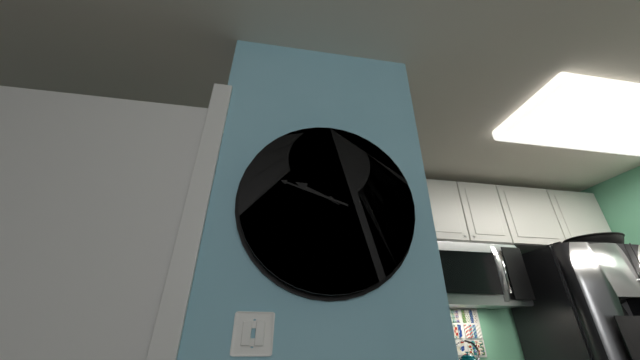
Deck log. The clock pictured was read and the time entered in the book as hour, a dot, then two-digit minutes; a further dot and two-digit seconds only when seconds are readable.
9.48
